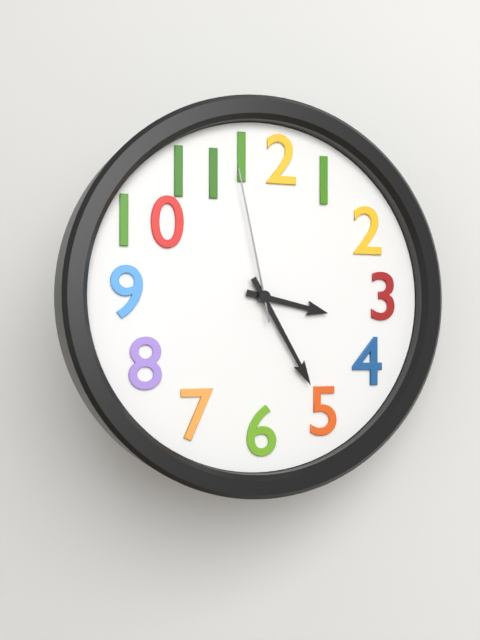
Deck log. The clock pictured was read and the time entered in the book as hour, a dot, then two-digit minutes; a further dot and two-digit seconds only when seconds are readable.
3.25.58
